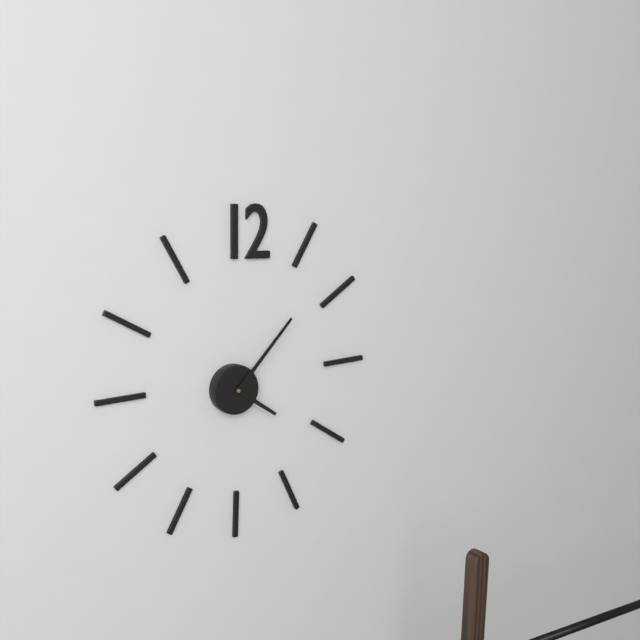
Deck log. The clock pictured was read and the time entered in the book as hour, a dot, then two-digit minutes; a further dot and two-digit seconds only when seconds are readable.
4.07
